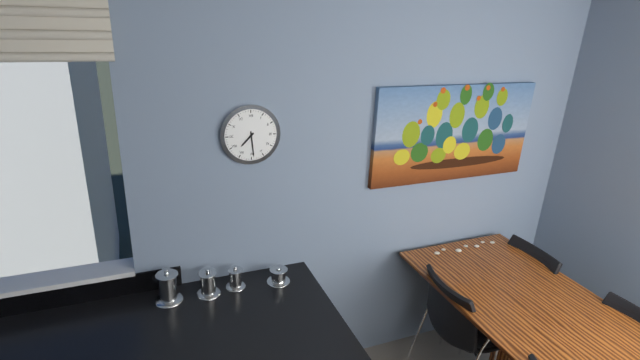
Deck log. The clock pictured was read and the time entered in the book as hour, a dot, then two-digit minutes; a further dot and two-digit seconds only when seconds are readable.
7.29
